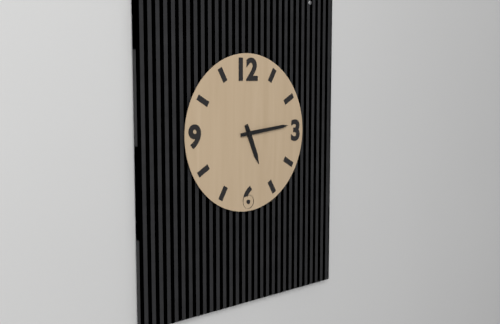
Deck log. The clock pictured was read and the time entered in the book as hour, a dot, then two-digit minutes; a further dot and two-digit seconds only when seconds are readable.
5.14
